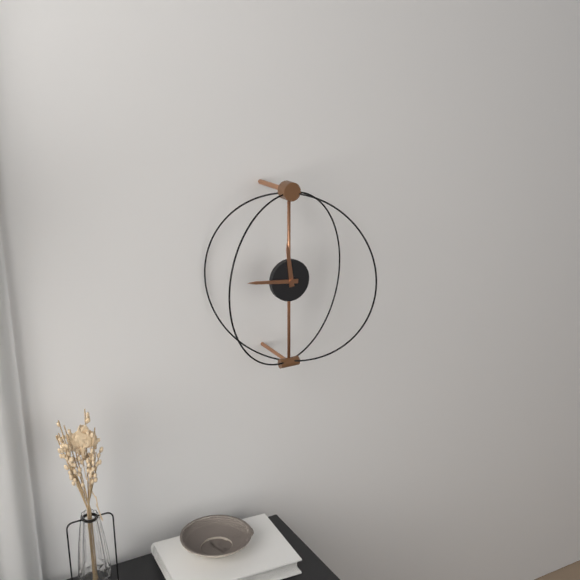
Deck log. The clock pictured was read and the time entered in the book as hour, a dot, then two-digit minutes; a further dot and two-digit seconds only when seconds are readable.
11.46
